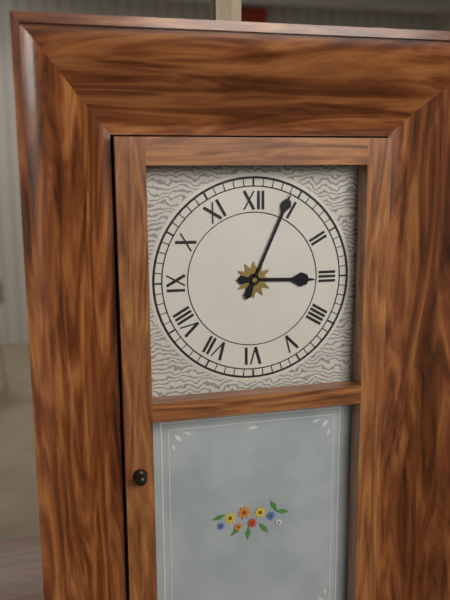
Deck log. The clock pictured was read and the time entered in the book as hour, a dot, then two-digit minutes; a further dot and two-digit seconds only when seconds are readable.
3.04
